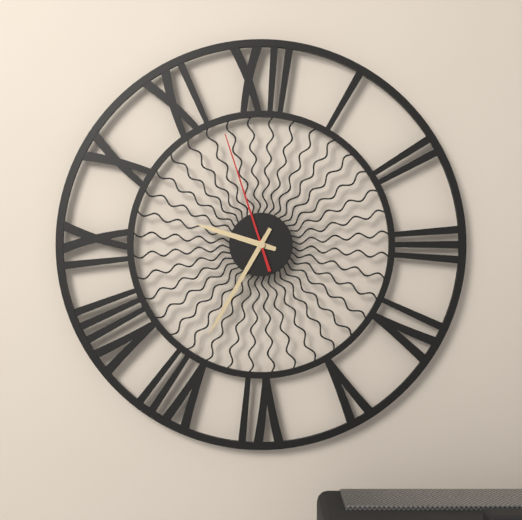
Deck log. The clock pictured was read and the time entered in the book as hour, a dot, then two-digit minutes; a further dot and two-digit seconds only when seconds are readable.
9.35.57
